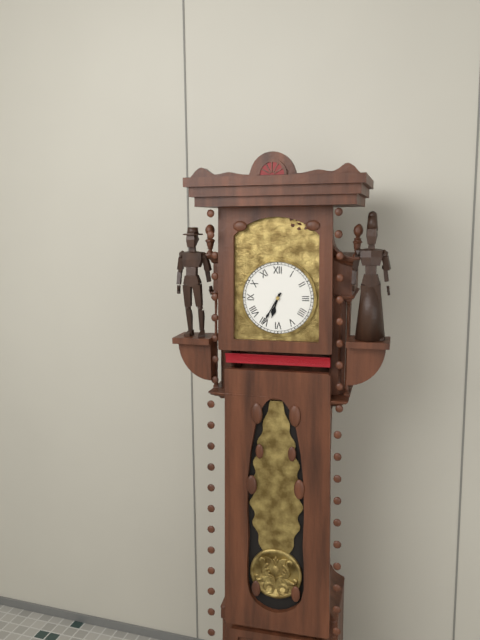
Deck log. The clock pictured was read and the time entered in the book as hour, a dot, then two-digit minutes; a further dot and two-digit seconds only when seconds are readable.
6.35
